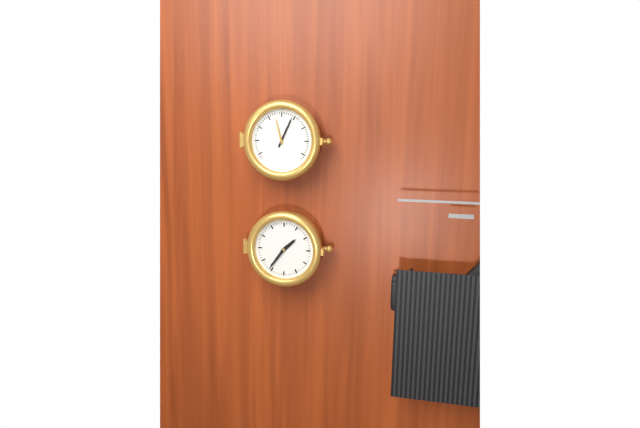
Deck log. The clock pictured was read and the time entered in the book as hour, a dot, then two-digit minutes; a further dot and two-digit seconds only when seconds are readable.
1.36
